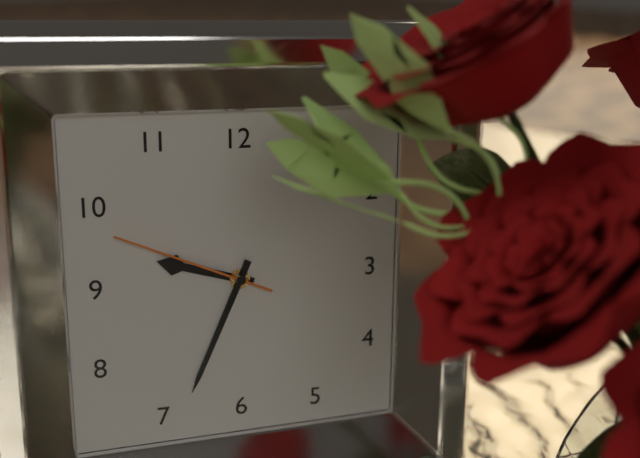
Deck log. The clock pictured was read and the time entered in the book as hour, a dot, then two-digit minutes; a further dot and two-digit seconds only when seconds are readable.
9.34.49
